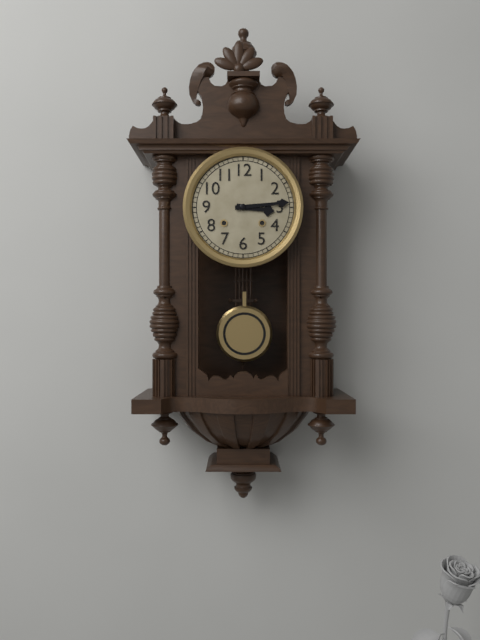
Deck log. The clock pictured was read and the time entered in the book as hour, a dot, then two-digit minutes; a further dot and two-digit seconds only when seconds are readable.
3.14
